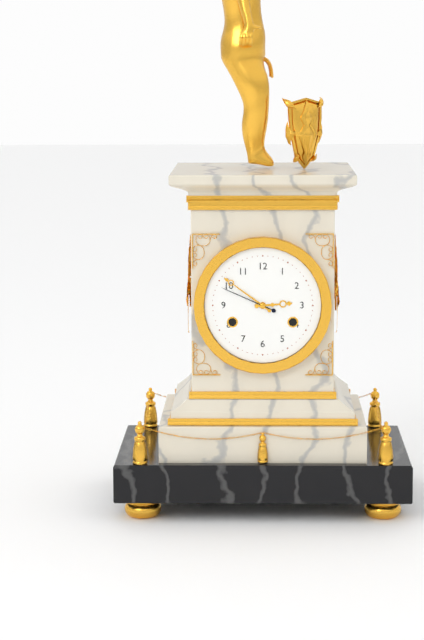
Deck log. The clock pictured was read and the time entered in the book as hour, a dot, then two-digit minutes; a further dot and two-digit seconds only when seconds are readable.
2.51.49
